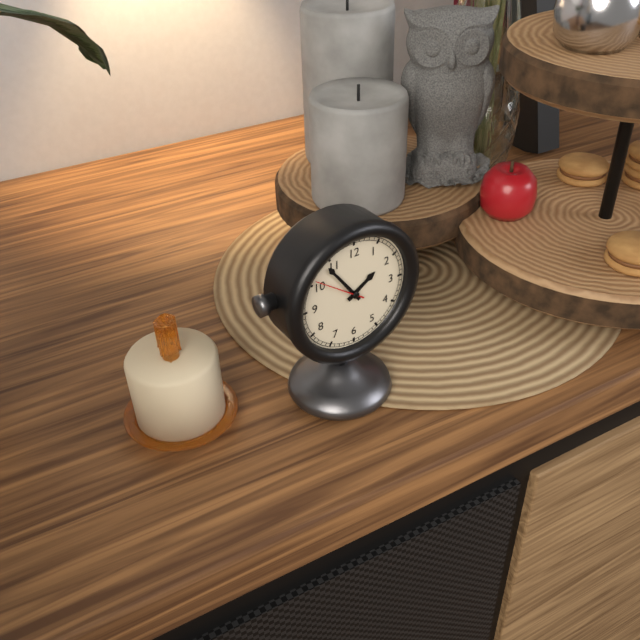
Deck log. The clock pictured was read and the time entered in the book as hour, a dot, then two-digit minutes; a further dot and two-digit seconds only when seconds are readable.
1.54.51
